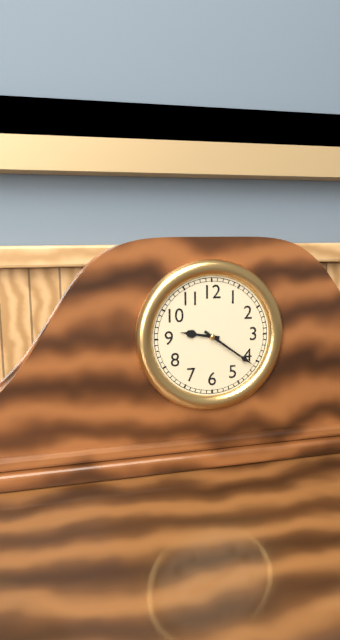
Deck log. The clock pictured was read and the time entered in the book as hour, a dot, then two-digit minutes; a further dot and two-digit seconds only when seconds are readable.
9.21
